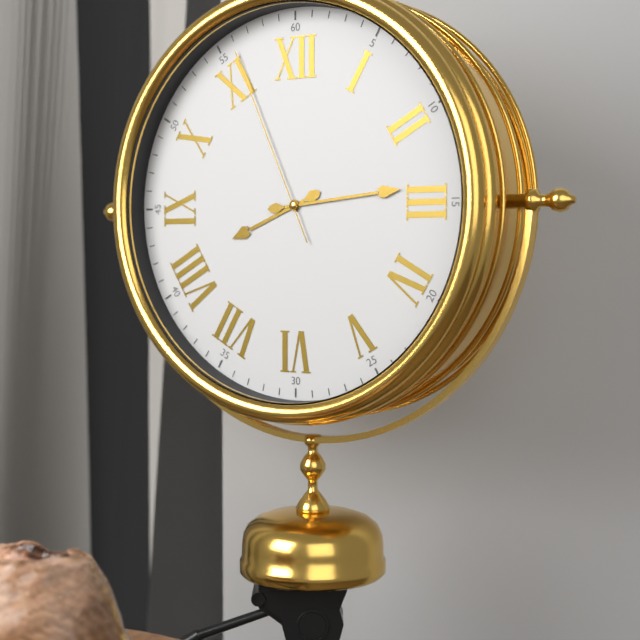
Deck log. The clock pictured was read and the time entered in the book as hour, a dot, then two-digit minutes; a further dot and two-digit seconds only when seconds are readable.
8.14.56
